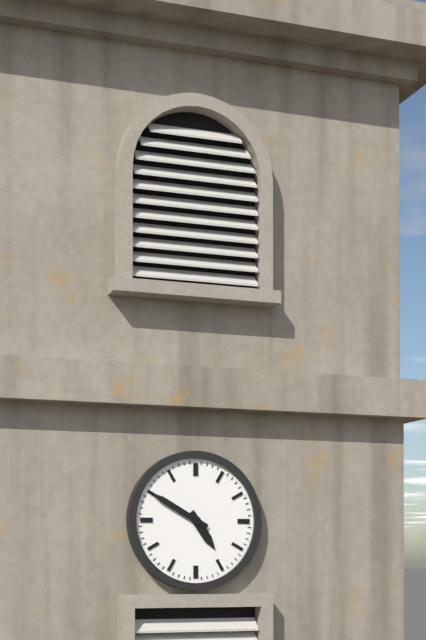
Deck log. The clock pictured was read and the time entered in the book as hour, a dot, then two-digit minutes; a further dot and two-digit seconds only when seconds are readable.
4.50
